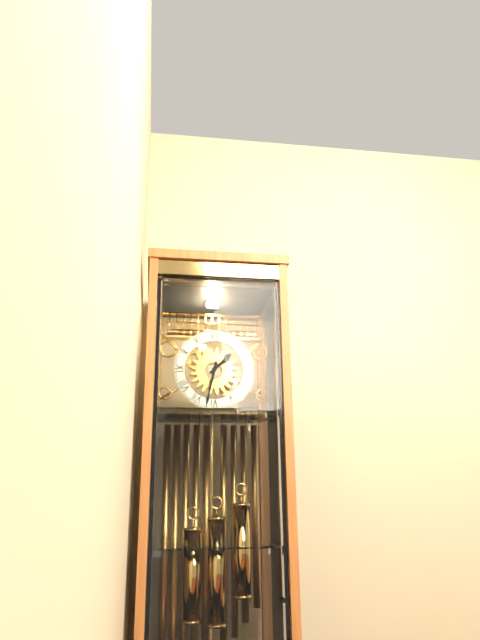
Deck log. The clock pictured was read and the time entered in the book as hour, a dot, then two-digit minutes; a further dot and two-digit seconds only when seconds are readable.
1.32
